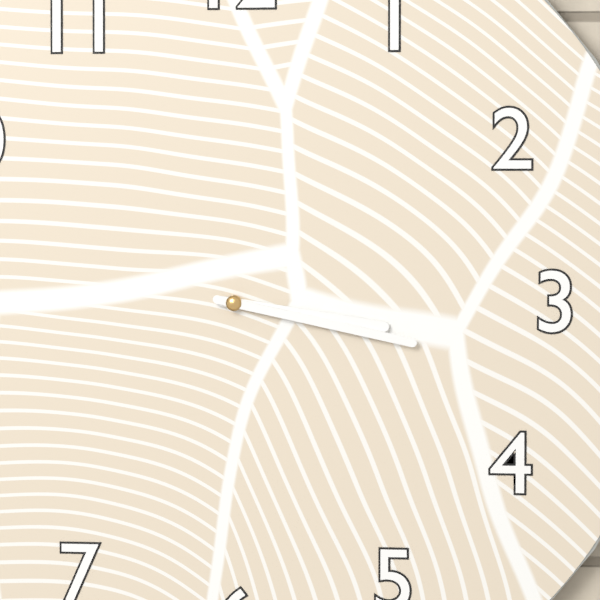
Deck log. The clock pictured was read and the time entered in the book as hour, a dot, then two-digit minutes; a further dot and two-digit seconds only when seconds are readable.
3.17
